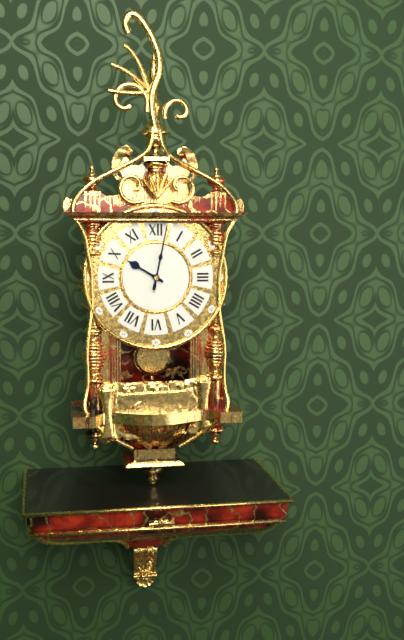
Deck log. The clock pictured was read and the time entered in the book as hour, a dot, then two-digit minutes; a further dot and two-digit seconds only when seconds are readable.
10.02
